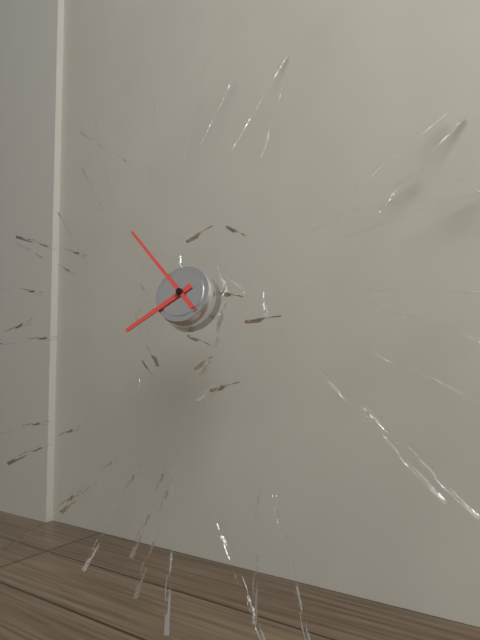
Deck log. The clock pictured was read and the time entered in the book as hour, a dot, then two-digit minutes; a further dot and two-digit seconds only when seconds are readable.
7.53
